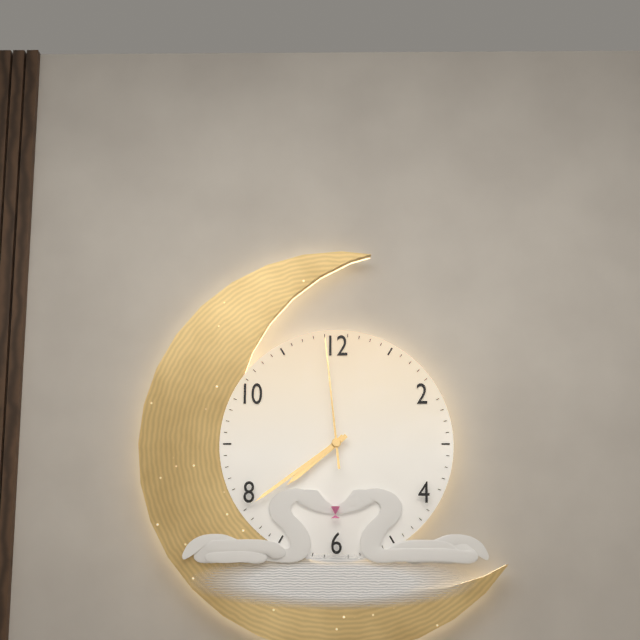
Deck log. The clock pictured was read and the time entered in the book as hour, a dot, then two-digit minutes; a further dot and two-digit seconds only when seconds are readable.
7.39.59
